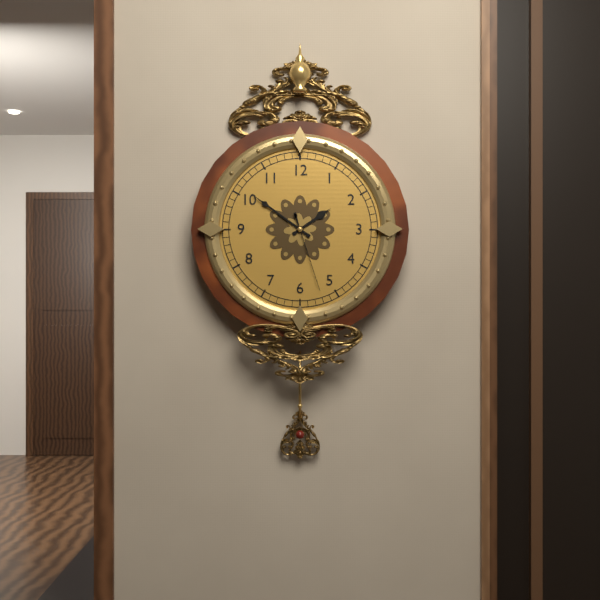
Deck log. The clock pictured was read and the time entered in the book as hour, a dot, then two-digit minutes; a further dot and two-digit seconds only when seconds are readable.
1.51.27
